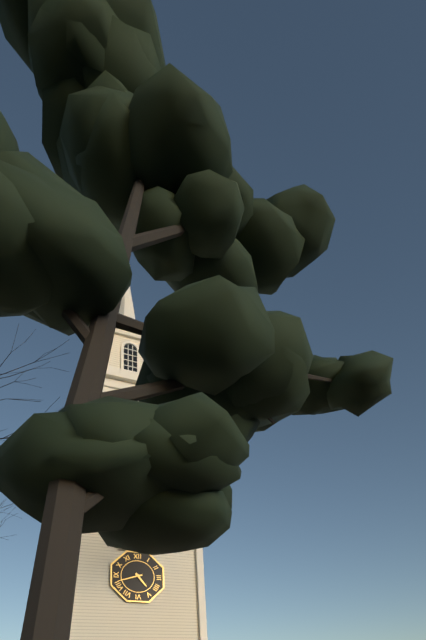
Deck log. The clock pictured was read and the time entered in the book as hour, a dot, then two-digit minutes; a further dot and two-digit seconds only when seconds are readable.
4.42
